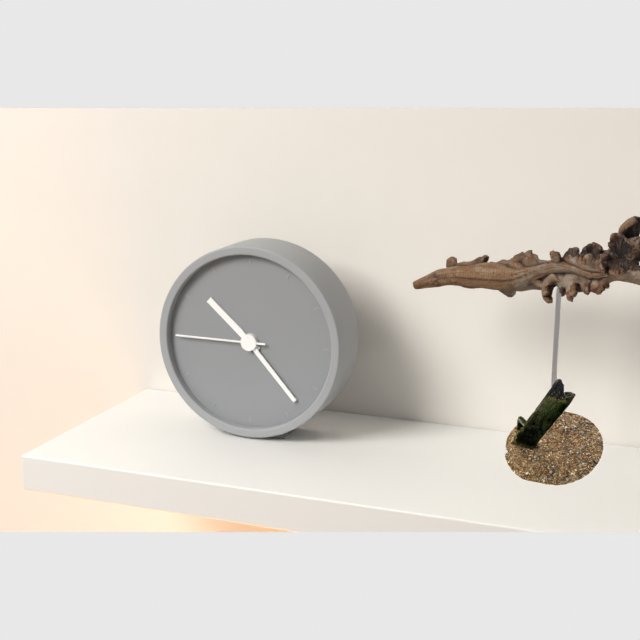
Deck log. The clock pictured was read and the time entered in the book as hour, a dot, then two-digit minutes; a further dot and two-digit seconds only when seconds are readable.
10.23.45
